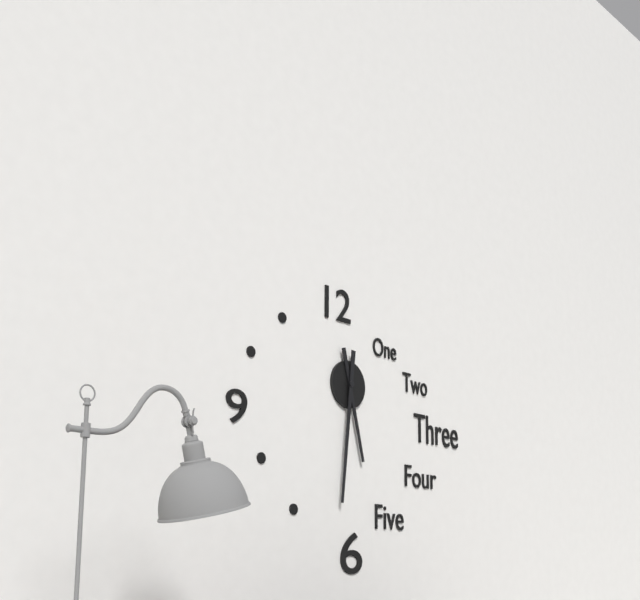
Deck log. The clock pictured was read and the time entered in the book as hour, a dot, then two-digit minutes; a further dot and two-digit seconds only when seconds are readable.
5.31
